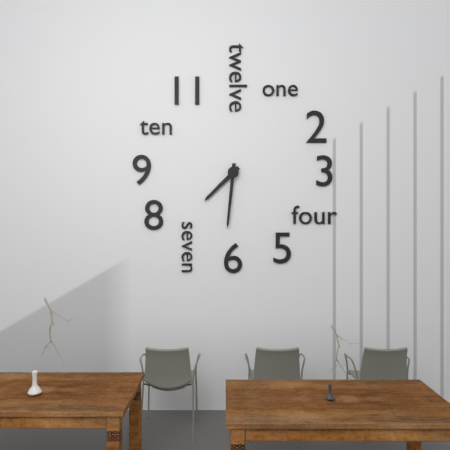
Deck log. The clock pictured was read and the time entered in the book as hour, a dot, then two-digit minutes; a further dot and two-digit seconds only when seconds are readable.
7.31
